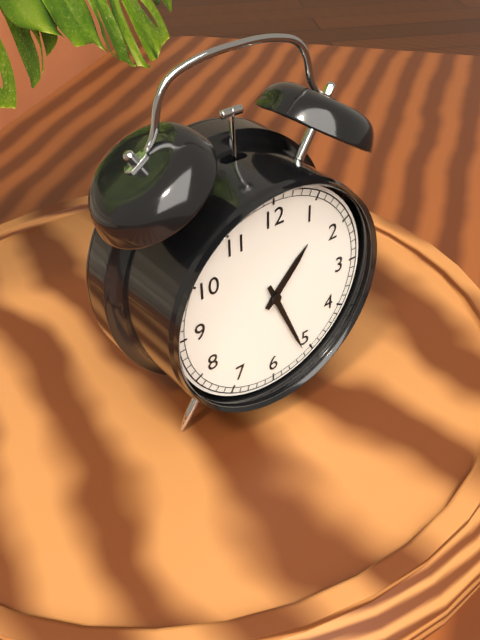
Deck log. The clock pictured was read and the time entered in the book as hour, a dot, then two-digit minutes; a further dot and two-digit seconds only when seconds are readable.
1.26
